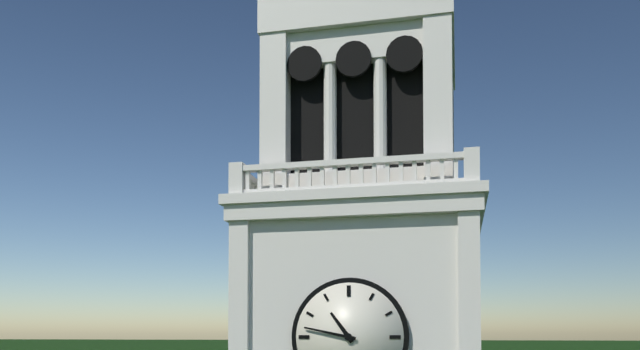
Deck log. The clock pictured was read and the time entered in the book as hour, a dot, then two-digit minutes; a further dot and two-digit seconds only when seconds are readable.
10.47
